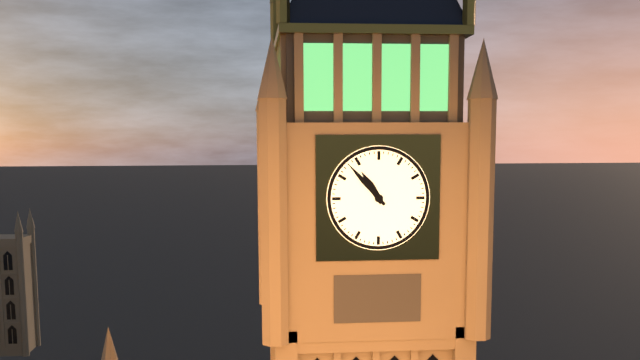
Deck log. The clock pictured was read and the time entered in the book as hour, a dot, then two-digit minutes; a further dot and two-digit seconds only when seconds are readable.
10.53
